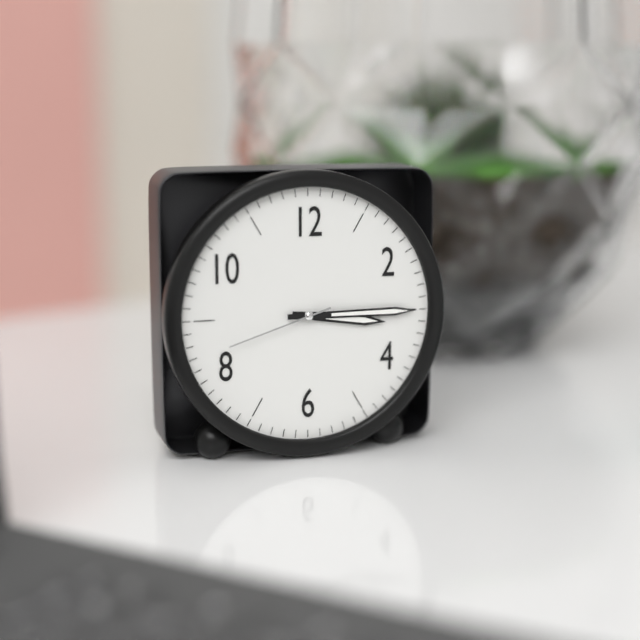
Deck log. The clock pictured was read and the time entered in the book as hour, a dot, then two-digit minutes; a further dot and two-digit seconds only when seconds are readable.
3.15.42
